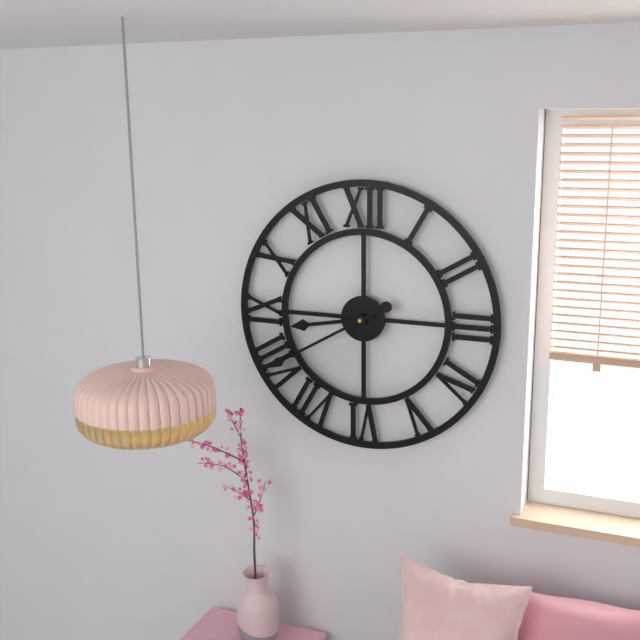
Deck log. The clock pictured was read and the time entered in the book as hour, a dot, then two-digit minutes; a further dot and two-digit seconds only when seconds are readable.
8.40
